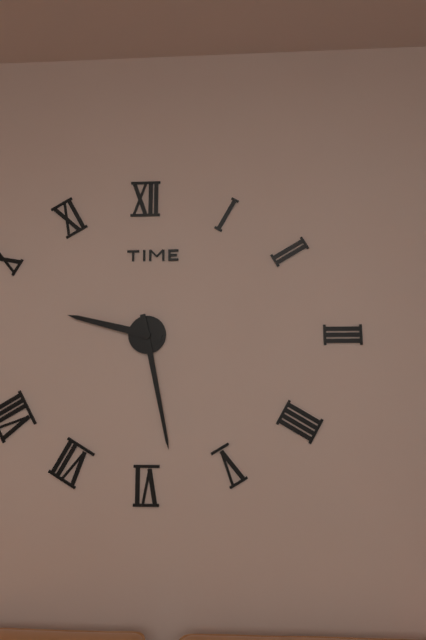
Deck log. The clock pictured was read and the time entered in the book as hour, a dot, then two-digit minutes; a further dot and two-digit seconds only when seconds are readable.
9.28
